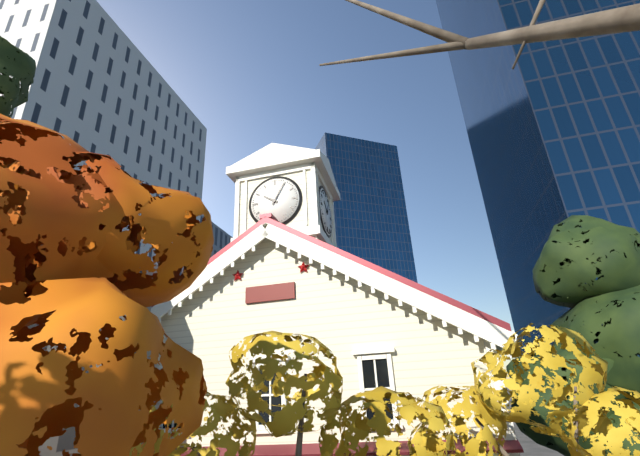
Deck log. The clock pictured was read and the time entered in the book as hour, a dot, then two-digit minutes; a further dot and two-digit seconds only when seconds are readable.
10.05
